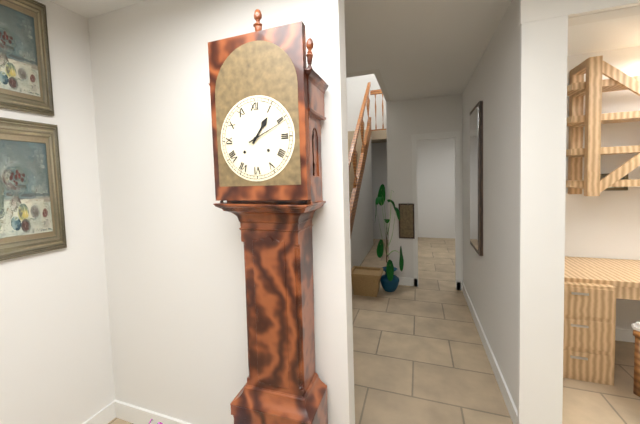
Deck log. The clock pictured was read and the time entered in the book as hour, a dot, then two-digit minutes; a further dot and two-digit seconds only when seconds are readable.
1.11
